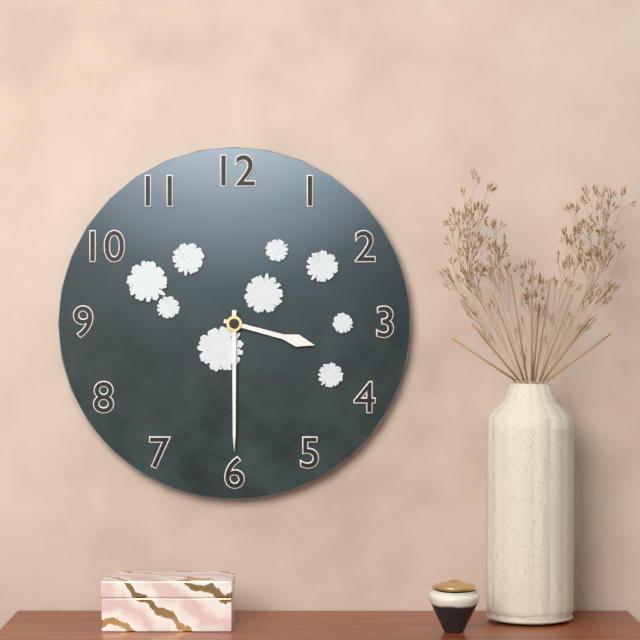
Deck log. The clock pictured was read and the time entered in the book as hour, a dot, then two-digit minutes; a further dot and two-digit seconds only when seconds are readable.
3.30
